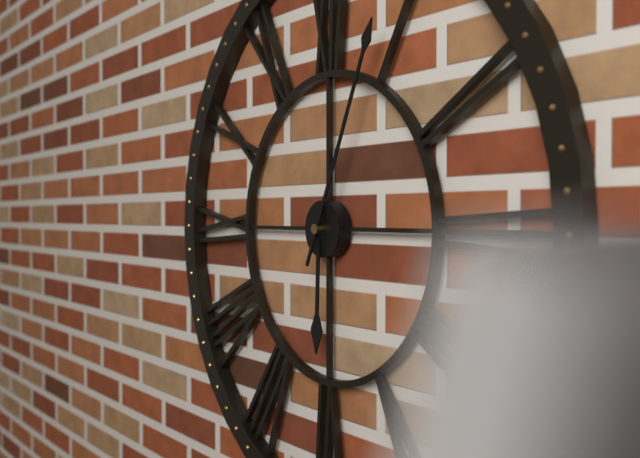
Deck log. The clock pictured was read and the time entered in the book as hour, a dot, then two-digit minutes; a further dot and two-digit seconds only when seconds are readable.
6.04
